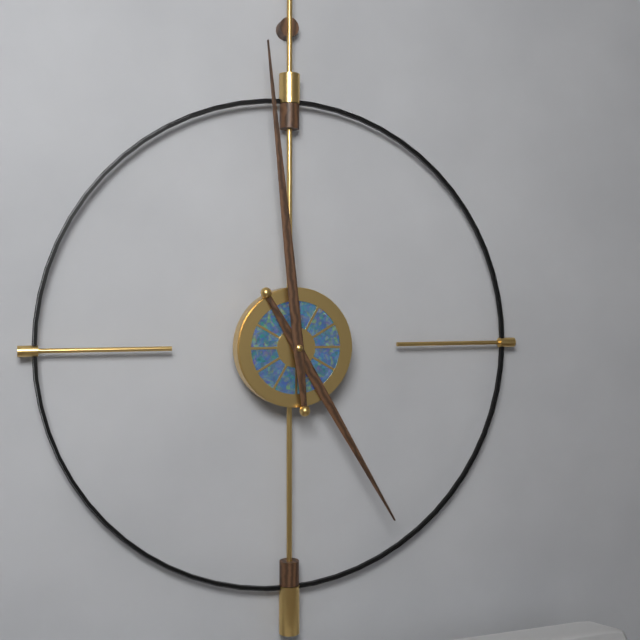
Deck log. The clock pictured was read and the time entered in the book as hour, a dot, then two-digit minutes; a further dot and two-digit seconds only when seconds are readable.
4.59
